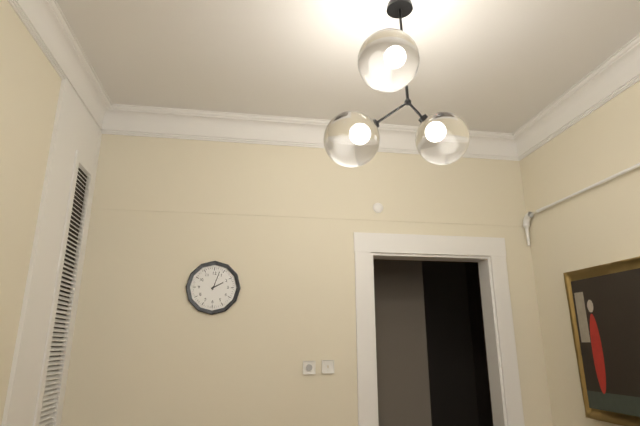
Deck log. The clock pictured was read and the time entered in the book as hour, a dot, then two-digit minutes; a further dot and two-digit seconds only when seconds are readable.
2.03
